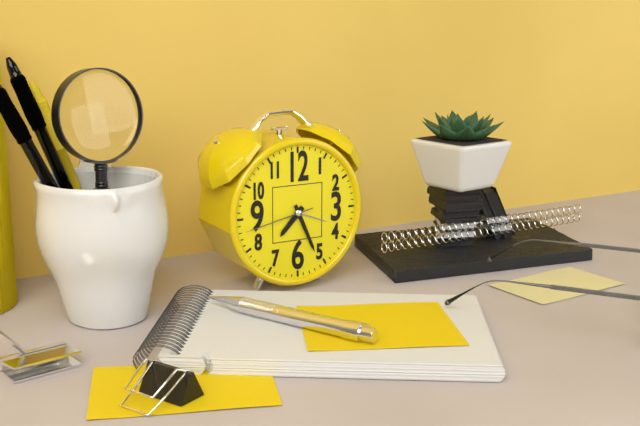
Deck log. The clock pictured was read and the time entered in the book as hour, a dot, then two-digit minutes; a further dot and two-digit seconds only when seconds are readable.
7.26.43
